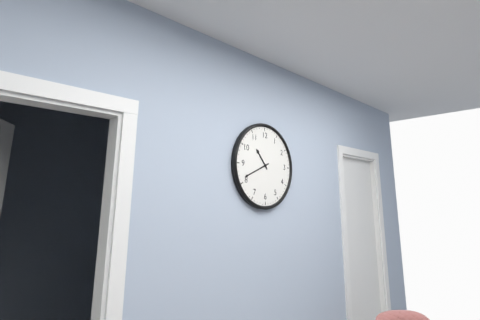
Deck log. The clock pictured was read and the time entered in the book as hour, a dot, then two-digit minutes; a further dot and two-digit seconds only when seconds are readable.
10.41
